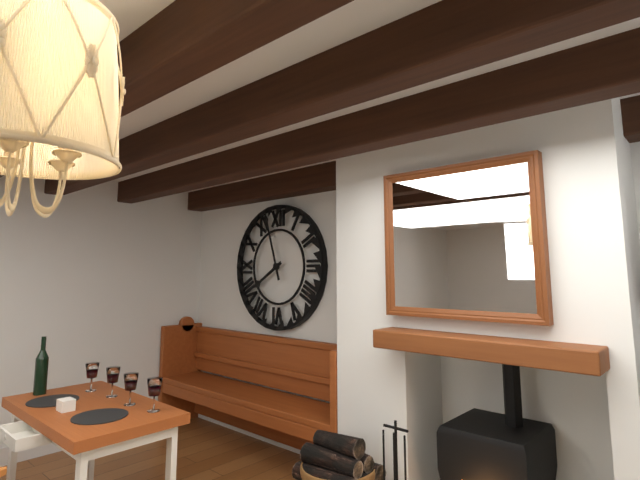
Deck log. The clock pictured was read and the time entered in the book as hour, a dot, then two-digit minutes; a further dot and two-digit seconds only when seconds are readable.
7.57
